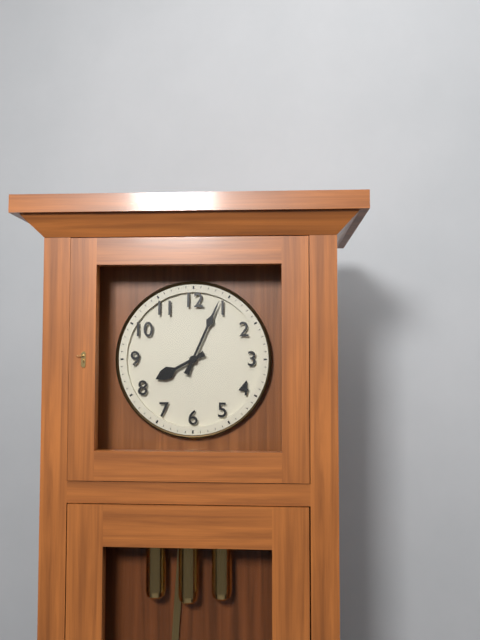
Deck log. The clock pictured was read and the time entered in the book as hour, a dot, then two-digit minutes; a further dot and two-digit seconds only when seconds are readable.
8.04
